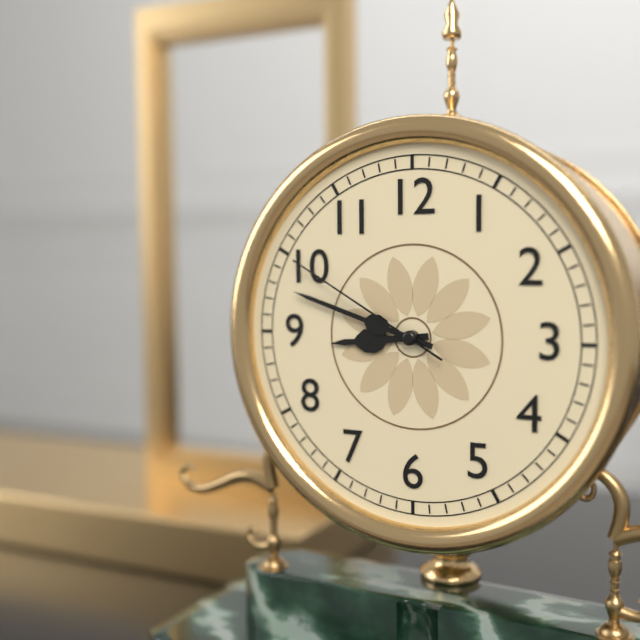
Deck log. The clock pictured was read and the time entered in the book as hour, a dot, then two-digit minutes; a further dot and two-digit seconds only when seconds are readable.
8.48.50
